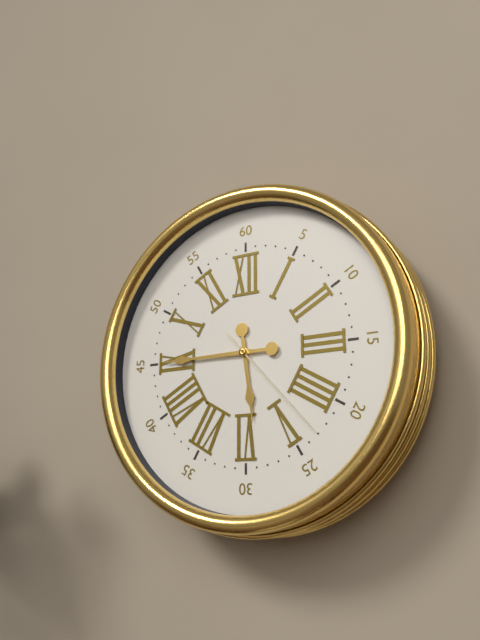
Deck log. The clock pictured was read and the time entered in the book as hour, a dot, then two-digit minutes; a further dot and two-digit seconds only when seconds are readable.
5.45.23
